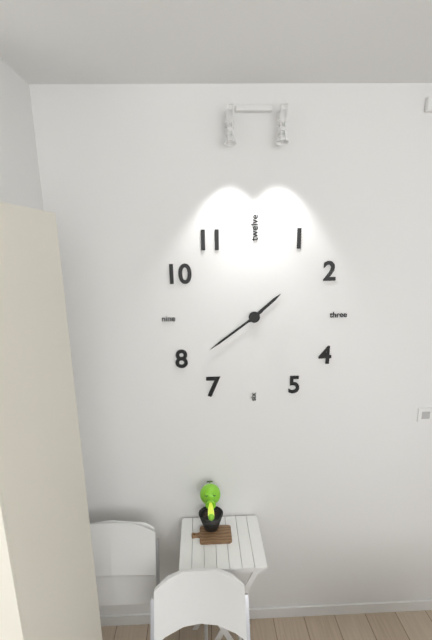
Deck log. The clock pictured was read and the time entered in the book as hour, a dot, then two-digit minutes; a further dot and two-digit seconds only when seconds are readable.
1.39
